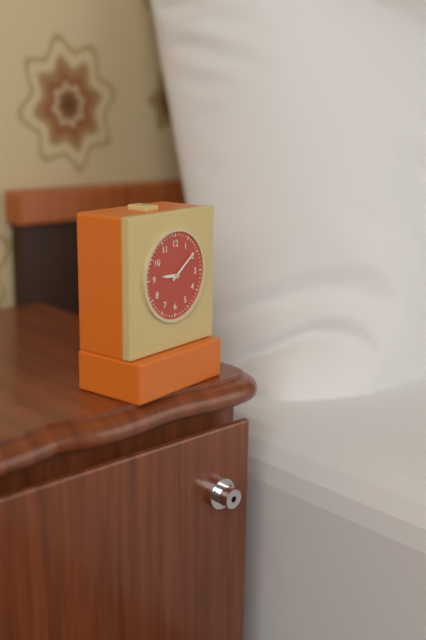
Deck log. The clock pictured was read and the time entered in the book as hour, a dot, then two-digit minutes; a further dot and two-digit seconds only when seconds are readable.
9.09
